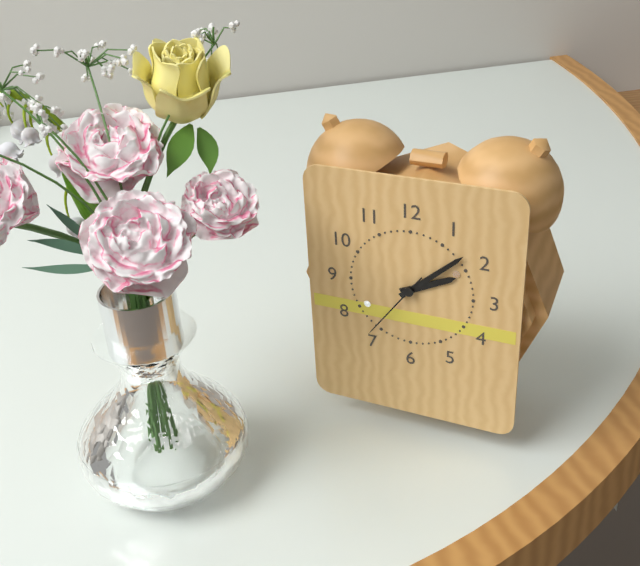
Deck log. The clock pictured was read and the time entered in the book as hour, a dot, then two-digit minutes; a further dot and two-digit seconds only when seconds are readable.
2.08.36
